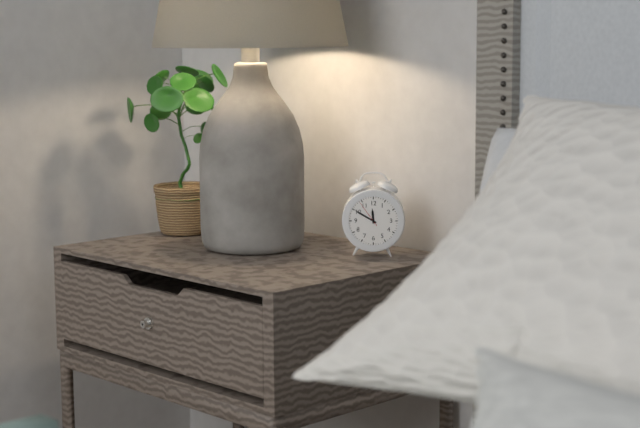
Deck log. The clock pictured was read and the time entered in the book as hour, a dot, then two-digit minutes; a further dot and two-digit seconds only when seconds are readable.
11.50
